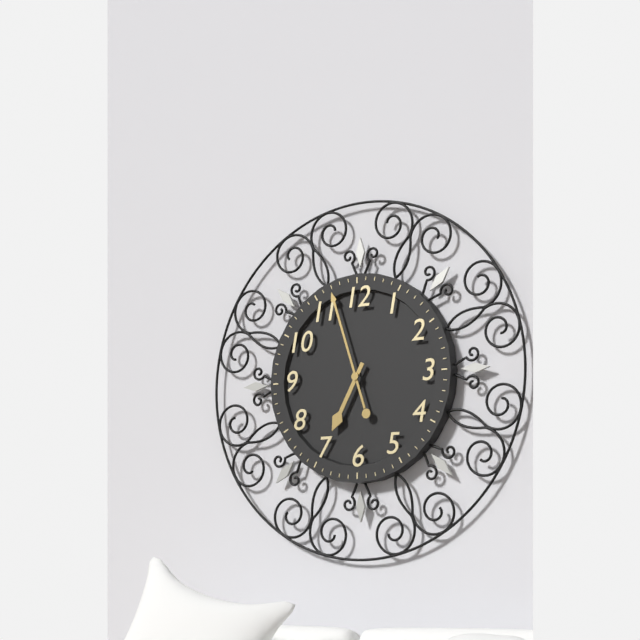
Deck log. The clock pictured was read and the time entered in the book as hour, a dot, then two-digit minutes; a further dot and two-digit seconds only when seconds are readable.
6.57
